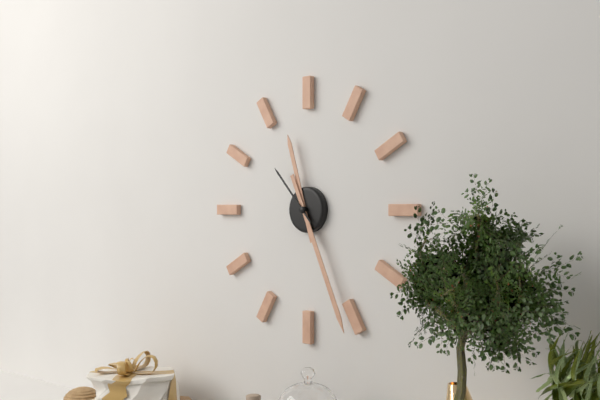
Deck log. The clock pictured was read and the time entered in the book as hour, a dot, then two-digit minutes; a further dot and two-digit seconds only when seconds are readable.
11.26.53
